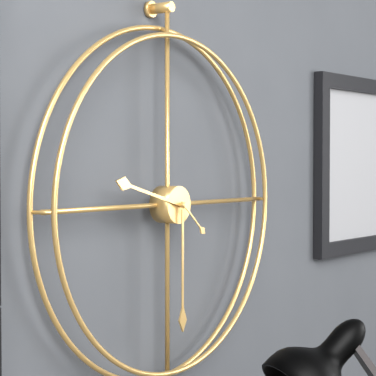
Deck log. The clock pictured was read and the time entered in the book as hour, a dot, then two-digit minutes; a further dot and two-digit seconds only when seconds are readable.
9.30
